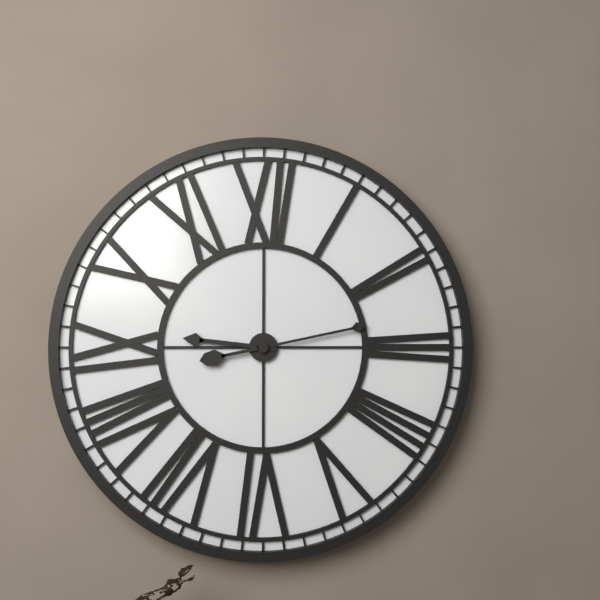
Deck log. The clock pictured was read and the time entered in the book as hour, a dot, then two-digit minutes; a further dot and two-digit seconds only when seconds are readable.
9.13
